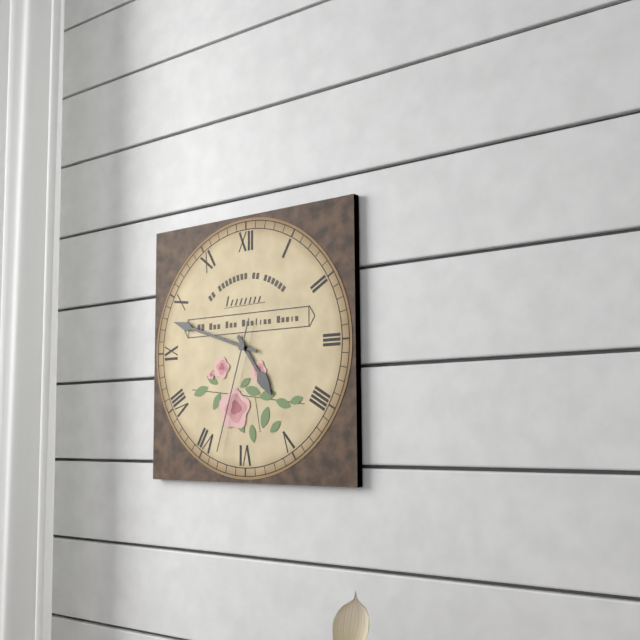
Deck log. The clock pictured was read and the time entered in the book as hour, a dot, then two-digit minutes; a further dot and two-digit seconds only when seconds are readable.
4.48.33
